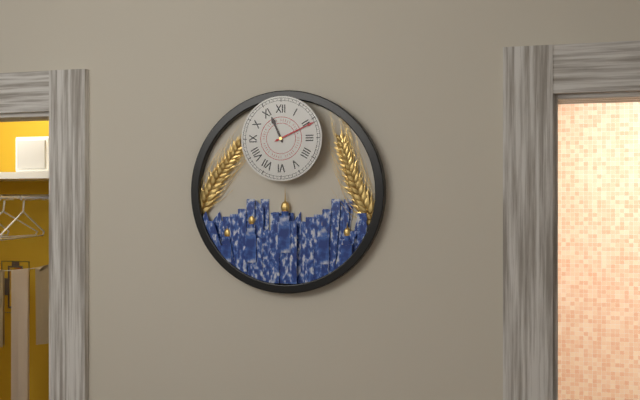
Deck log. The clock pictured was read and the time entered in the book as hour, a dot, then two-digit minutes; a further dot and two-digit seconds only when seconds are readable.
11.11
